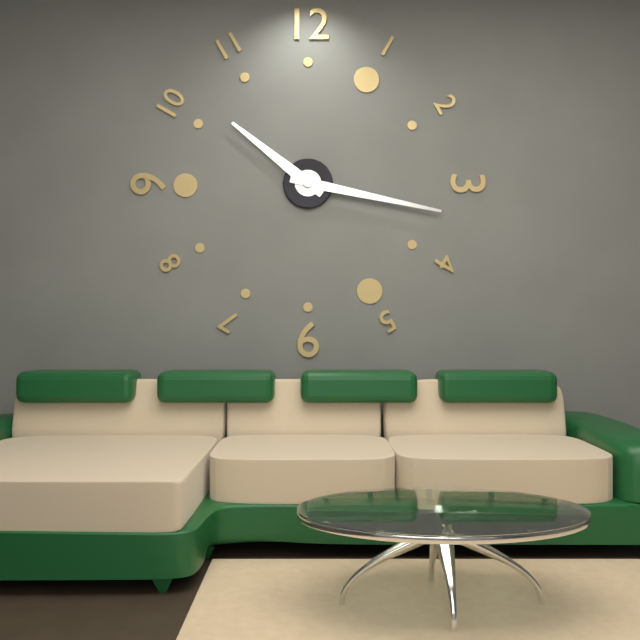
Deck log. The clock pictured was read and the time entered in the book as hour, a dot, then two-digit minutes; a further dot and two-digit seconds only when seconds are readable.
10.17
